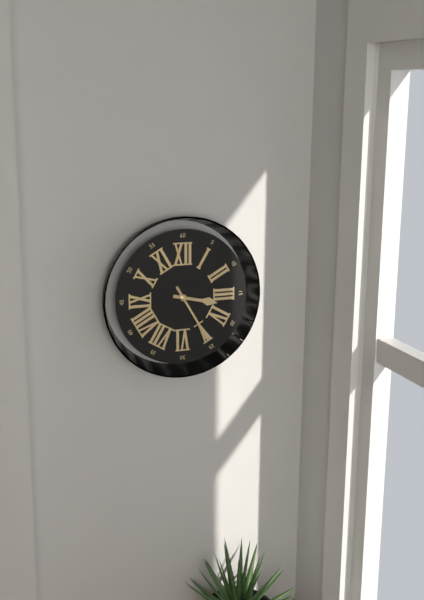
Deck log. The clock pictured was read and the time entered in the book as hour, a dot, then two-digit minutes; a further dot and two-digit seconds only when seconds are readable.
3.25
